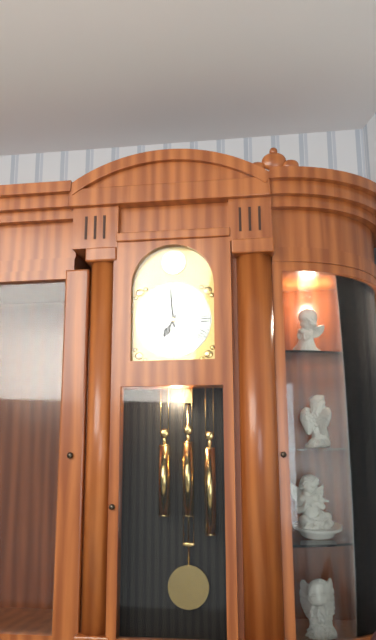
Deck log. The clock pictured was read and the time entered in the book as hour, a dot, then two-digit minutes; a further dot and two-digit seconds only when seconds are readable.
6.59
